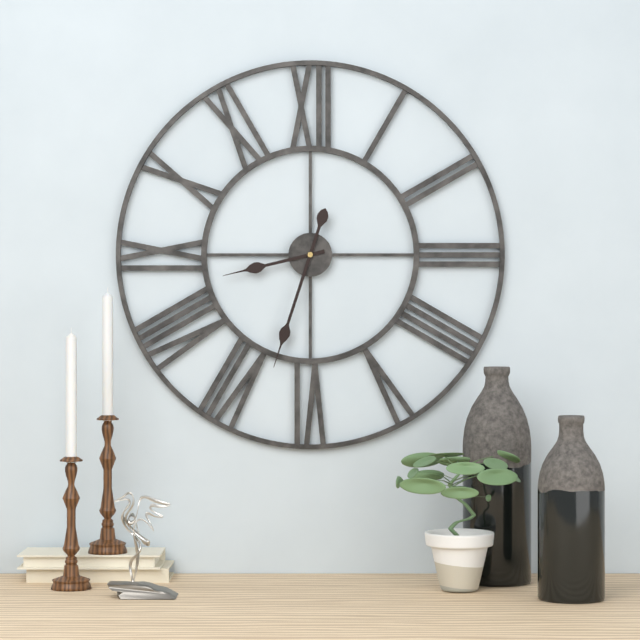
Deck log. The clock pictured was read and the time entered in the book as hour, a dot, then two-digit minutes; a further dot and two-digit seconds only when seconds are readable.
8.33
